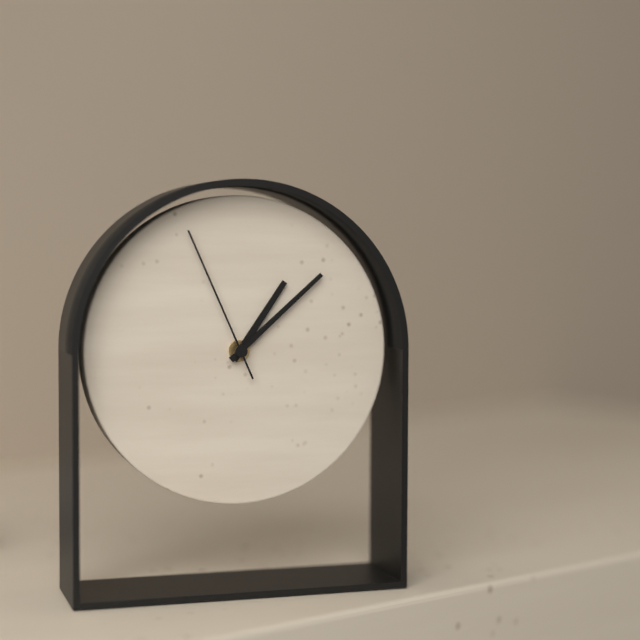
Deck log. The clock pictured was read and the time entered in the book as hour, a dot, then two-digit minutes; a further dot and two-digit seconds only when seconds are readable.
1.08.56
